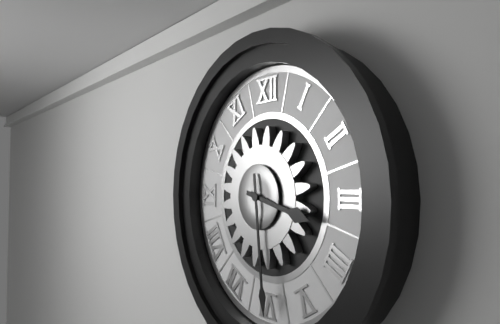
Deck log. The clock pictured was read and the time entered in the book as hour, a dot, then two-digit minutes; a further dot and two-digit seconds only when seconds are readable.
3.29
